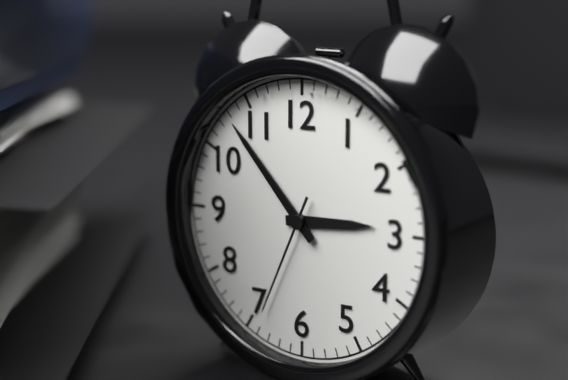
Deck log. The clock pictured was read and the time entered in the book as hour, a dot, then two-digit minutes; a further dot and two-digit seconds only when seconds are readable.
2.53.34
